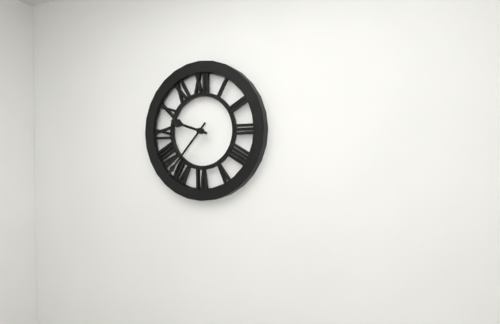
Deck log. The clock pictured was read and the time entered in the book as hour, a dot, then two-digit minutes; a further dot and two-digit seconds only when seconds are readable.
9.37
